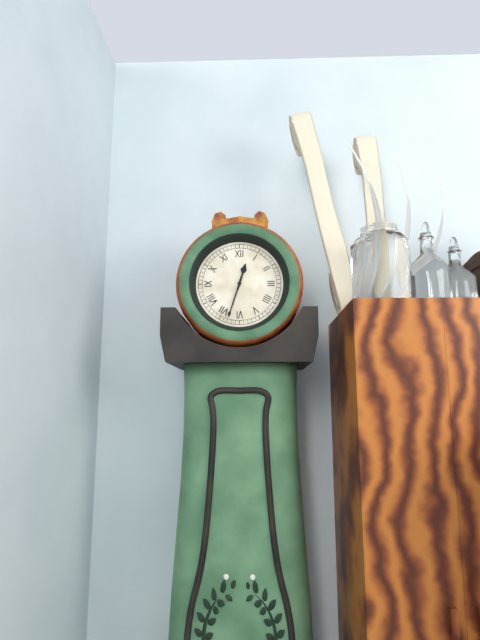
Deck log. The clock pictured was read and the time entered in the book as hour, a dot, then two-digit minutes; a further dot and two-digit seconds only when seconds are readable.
12.33
